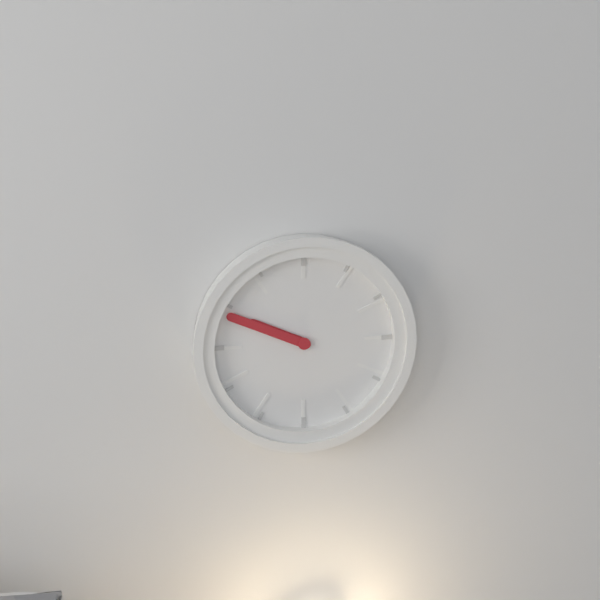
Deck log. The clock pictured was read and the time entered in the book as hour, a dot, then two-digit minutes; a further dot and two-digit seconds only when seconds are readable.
9.49
